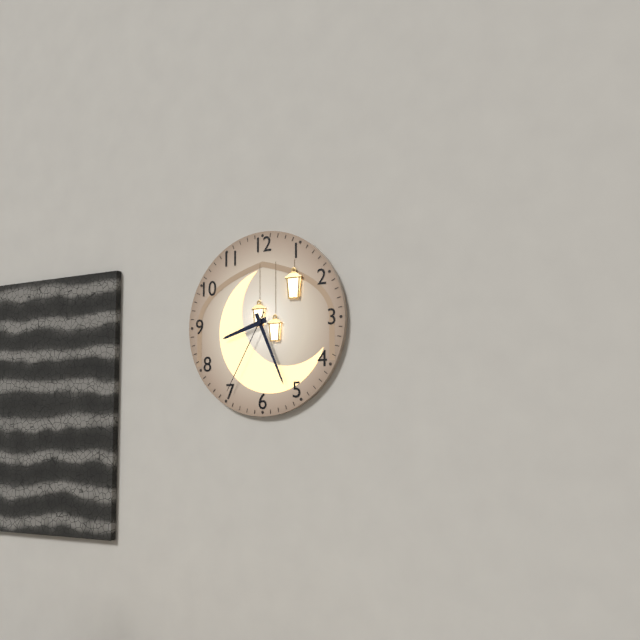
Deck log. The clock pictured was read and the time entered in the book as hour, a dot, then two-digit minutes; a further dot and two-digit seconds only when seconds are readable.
8.26.35
